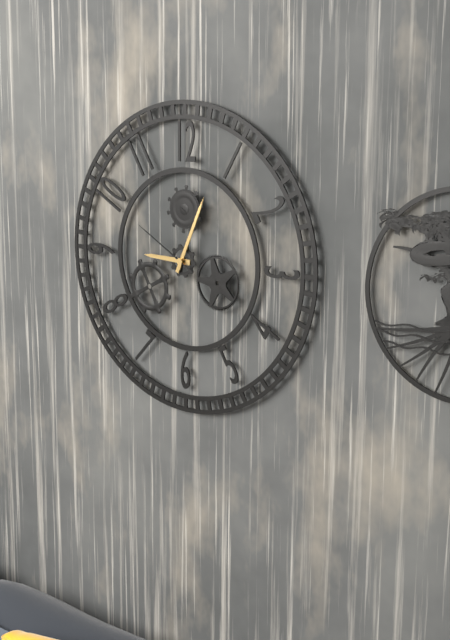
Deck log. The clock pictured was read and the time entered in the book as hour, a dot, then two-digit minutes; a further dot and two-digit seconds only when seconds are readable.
9.04.50
